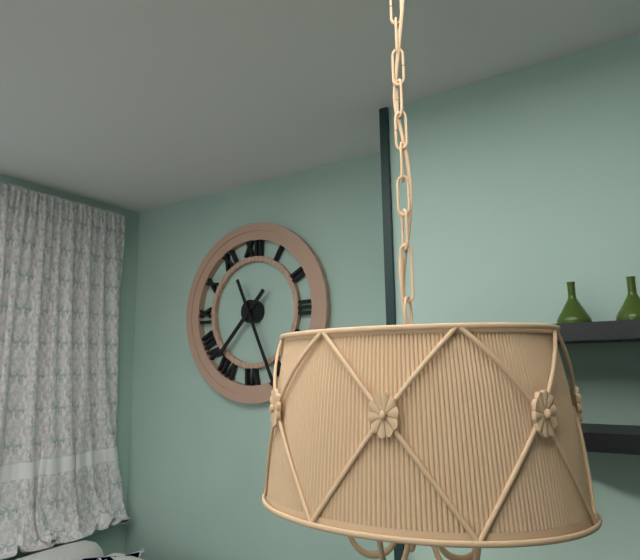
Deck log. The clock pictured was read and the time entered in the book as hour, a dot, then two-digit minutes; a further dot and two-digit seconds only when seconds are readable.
7.26
